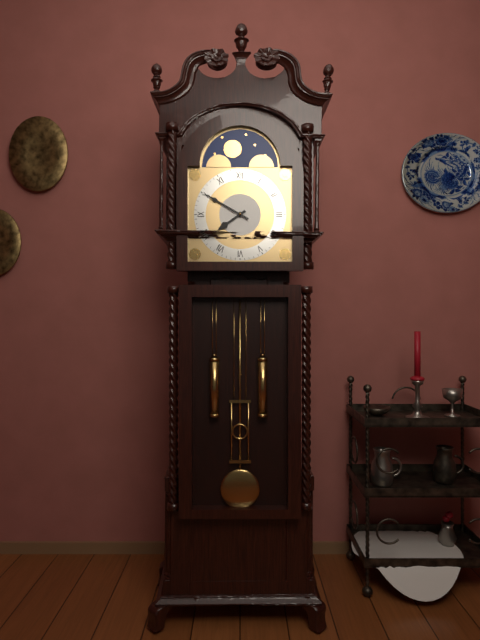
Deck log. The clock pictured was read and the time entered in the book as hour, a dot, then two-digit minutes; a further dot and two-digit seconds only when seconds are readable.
7.50
